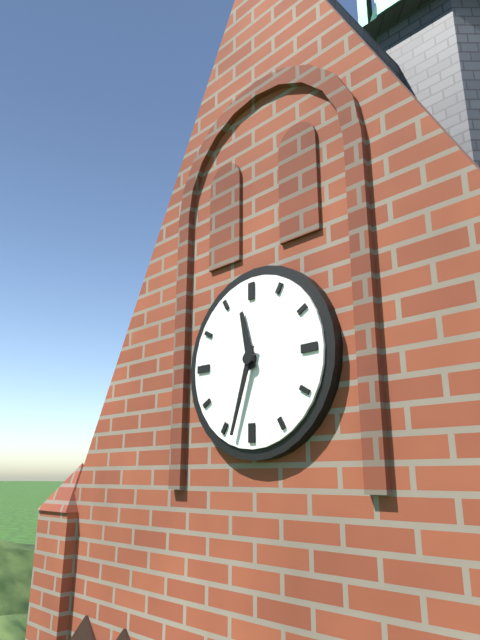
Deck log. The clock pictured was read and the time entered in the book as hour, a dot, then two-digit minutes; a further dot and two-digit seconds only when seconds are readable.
11.33
